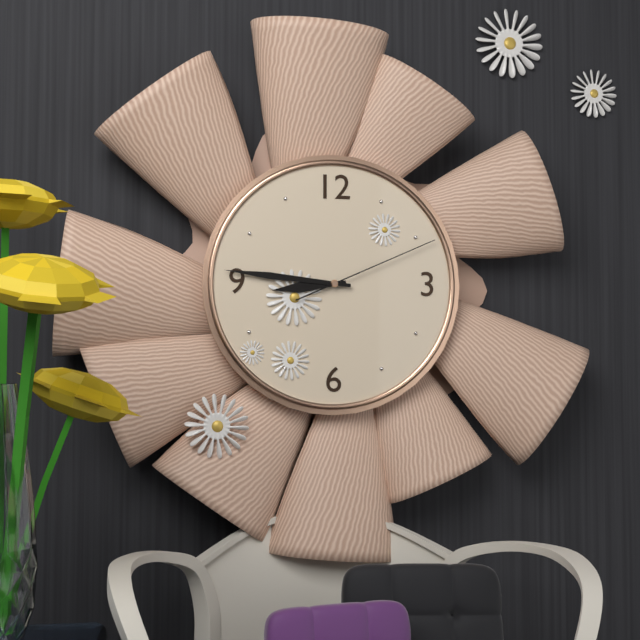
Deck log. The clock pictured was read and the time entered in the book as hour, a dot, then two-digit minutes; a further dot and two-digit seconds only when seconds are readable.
8.46.11
